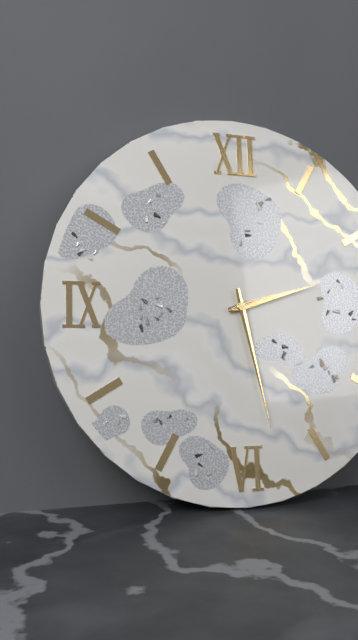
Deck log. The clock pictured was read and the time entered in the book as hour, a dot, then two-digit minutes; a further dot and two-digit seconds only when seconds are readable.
2.28
